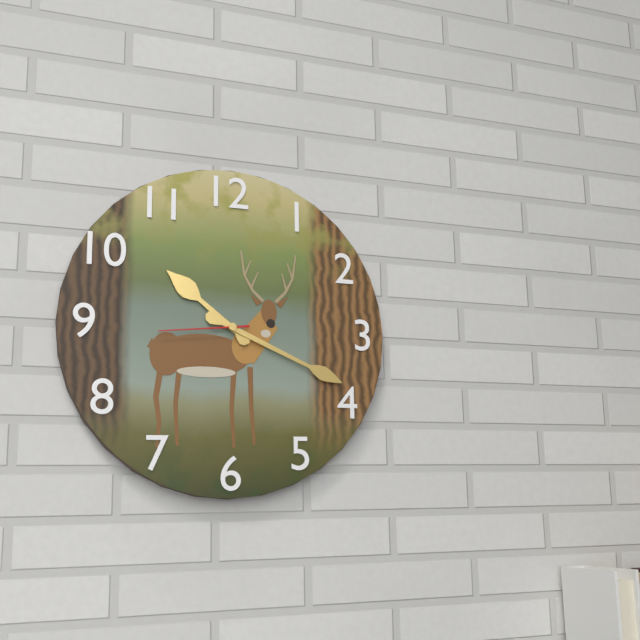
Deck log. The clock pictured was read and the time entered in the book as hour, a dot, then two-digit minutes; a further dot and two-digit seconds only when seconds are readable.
10.19.44
